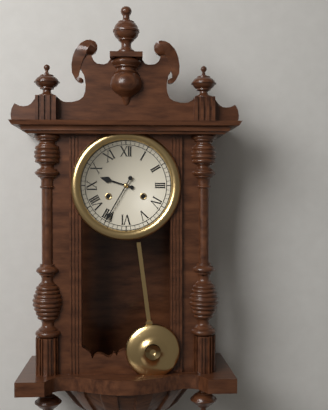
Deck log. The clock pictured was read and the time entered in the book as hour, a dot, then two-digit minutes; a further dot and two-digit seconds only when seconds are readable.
9.35
